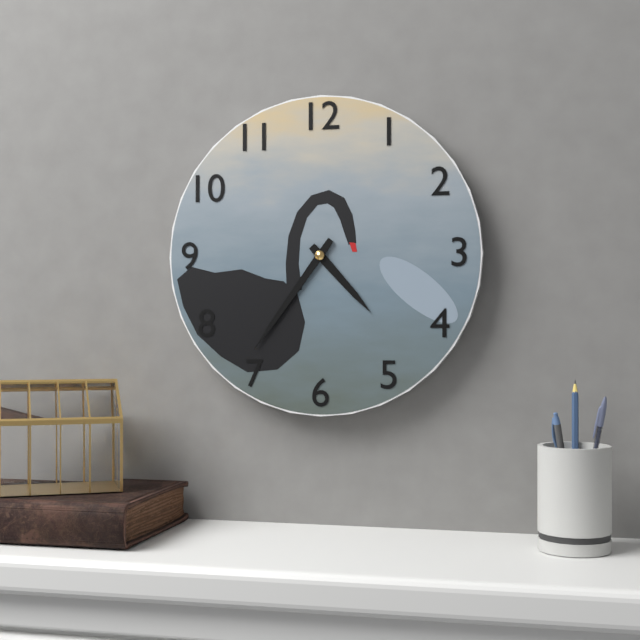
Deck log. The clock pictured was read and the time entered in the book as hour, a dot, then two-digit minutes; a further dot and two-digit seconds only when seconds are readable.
4.36
